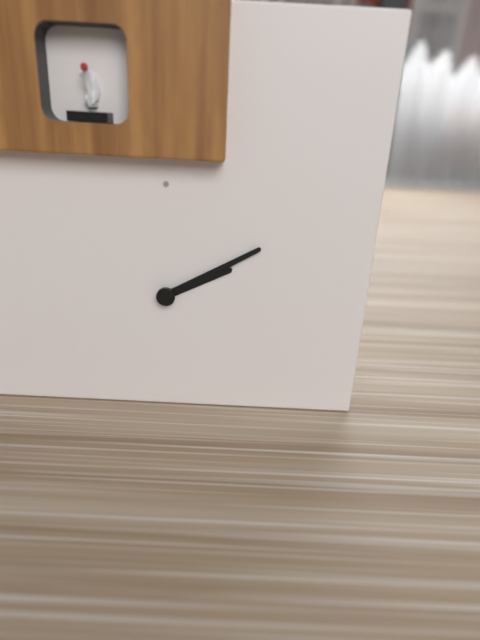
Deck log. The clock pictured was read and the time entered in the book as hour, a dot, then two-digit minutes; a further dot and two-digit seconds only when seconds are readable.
2.10
